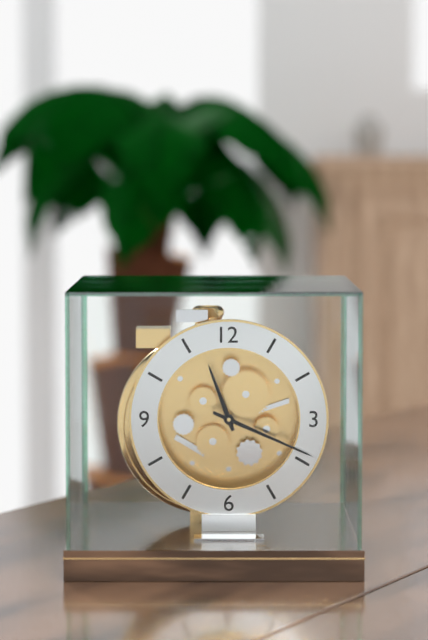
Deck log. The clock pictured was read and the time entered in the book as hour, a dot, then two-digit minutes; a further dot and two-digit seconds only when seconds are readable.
11.19
